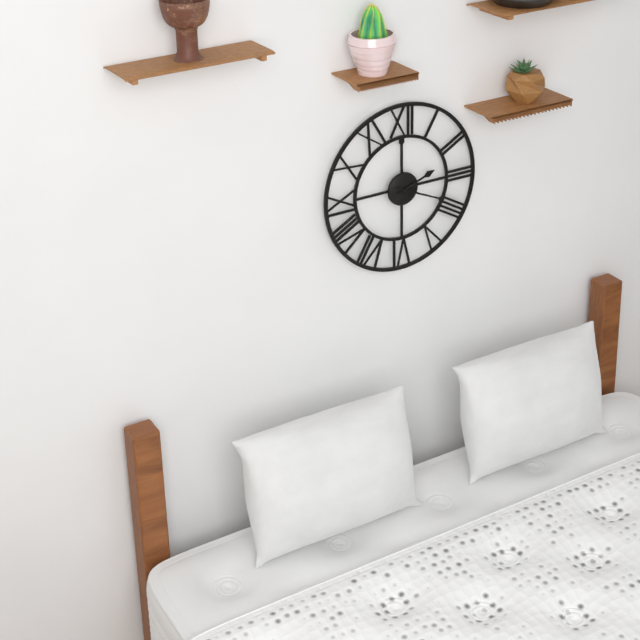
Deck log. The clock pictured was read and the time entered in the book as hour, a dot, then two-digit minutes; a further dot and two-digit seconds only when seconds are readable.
2.19
